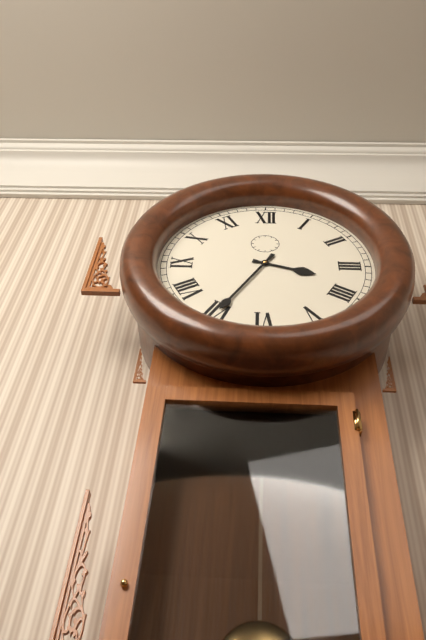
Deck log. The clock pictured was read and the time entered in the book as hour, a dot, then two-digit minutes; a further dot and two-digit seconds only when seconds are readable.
3.35
